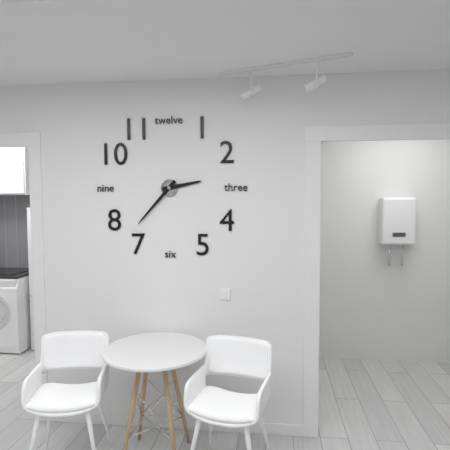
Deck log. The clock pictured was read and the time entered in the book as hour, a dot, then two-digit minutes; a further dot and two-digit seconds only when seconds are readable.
2.37
